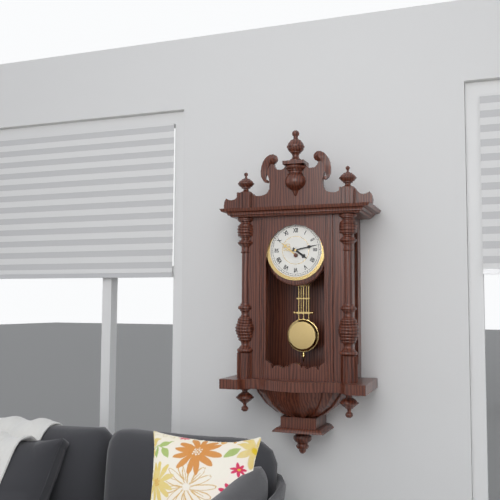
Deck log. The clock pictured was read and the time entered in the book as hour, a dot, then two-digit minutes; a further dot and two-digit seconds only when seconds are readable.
4.13
